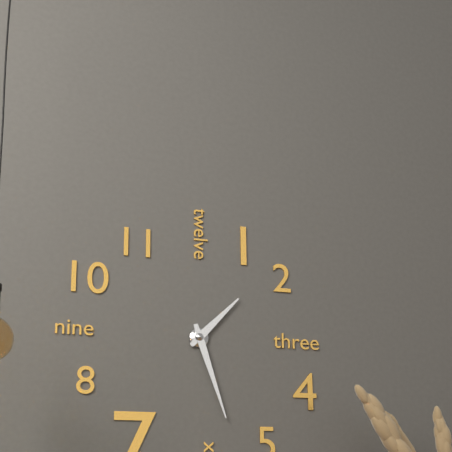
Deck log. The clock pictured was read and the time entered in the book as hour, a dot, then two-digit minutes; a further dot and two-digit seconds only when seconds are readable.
1.27
